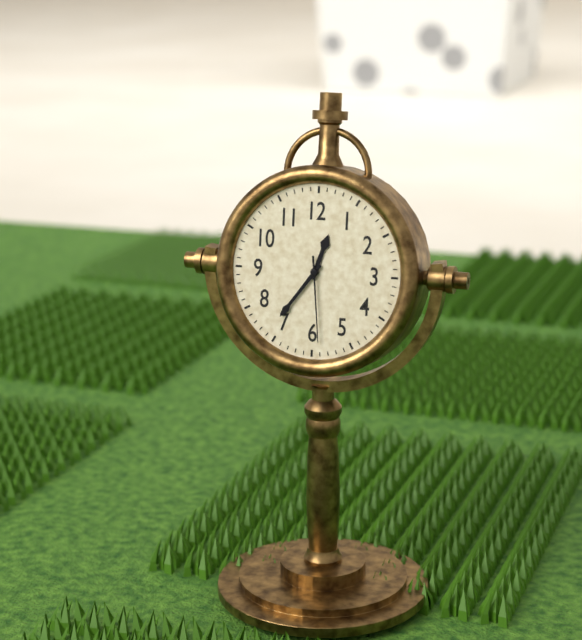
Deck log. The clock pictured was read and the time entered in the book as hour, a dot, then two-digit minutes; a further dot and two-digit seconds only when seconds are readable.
12.36.29
